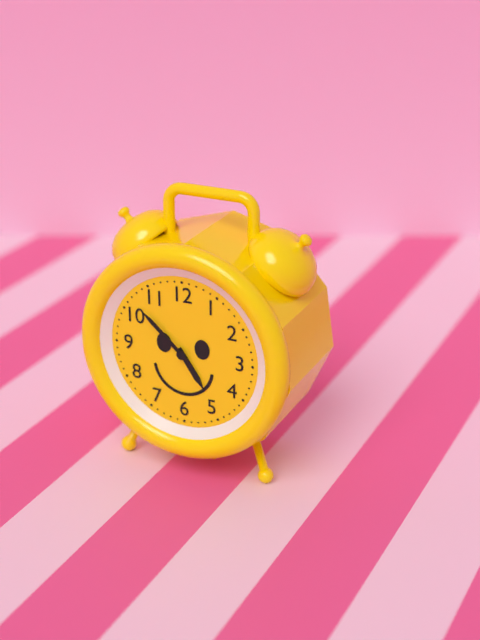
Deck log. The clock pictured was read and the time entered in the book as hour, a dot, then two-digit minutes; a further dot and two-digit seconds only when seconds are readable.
4.52
